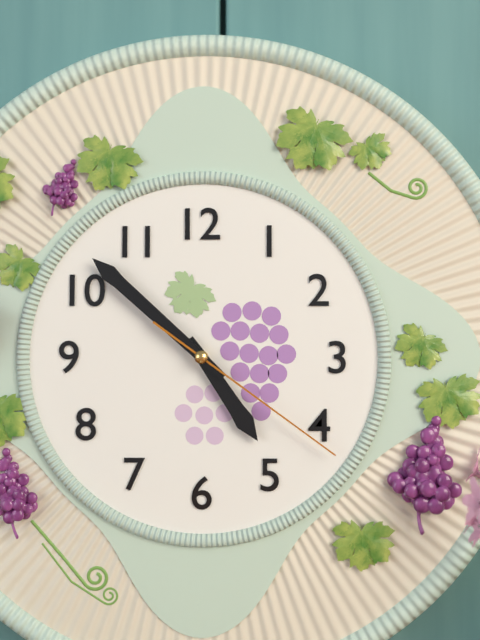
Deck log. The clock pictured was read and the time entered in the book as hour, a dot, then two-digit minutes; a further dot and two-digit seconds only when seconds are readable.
4.52.21
